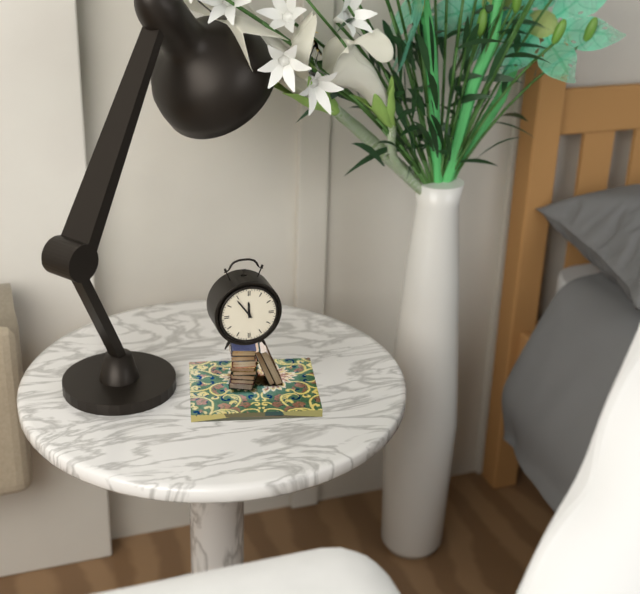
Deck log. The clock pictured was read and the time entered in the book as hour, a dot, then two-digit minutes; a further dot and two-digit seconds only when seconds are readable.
11.54
